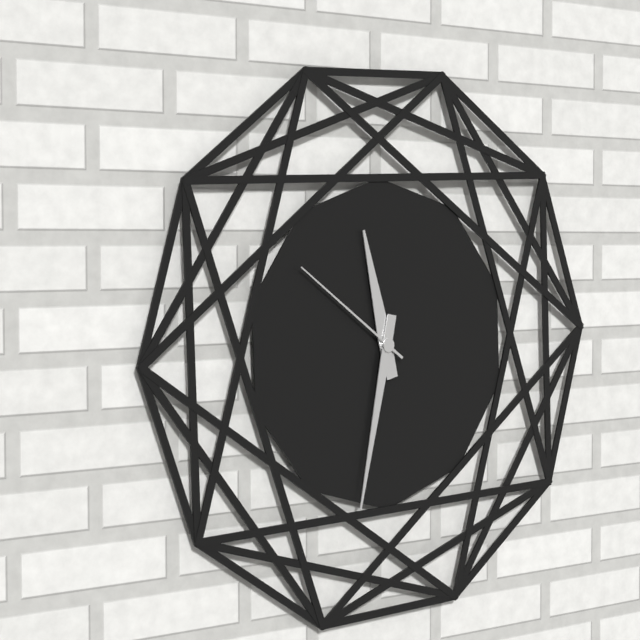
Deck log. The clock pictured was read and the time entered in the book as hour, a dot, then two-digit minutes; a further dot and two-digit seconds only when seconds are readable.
11.32.51
